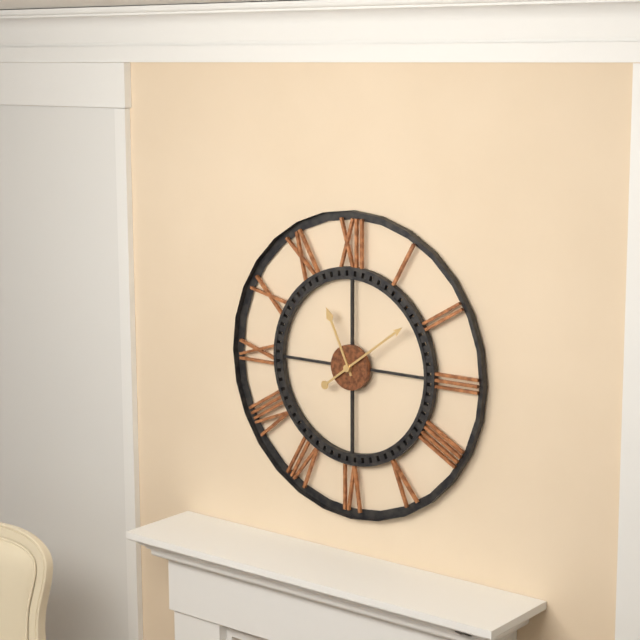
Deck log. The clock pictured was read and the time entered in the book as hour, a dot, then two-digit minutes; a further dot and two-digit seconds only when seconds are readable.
11.09
